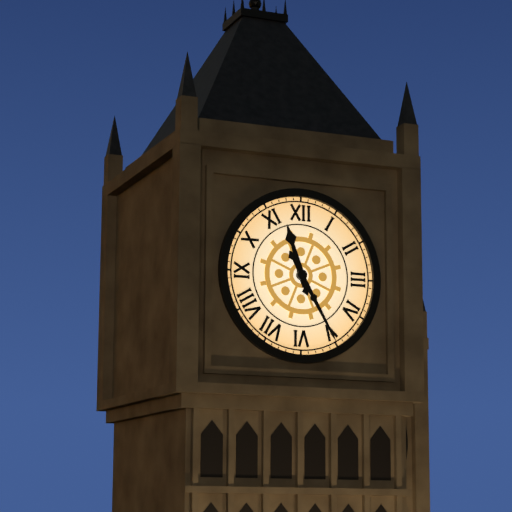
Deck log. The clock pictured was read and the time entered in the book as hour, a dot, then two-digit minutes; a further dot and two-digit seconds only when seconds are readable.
11.25
